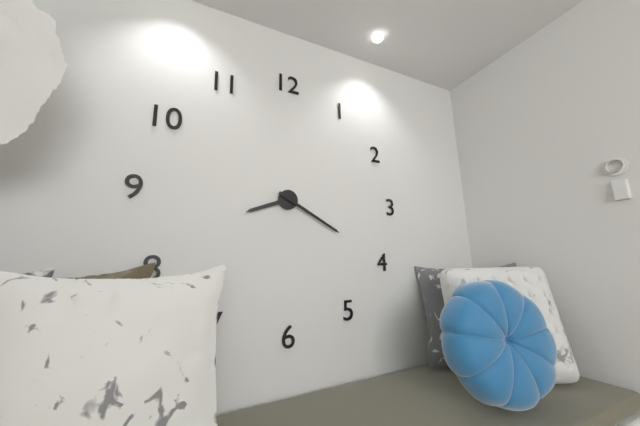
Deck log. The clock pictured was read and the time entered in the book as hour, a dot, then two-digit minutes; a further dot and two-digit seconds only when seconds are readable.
8.20
